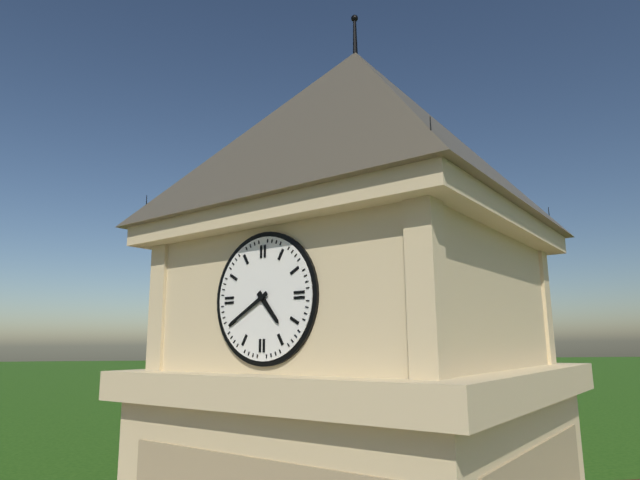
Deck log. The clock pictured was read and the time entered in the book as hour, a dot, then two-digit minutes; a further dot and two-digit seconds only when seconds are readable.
4.40
